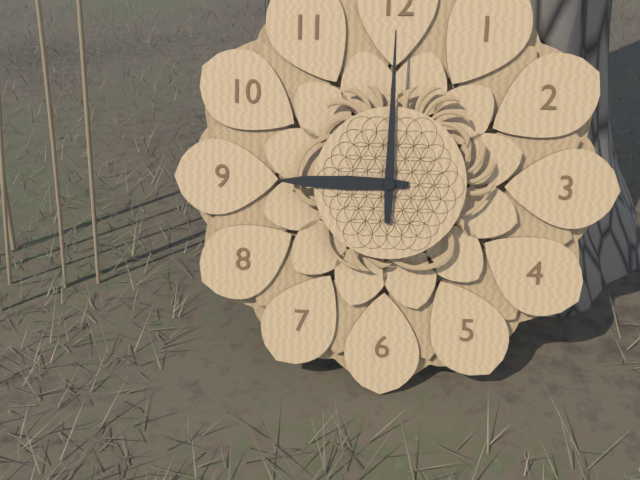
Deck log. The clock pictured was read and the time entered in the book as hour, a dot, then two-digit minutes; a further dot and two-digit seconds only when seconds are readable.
9.00
